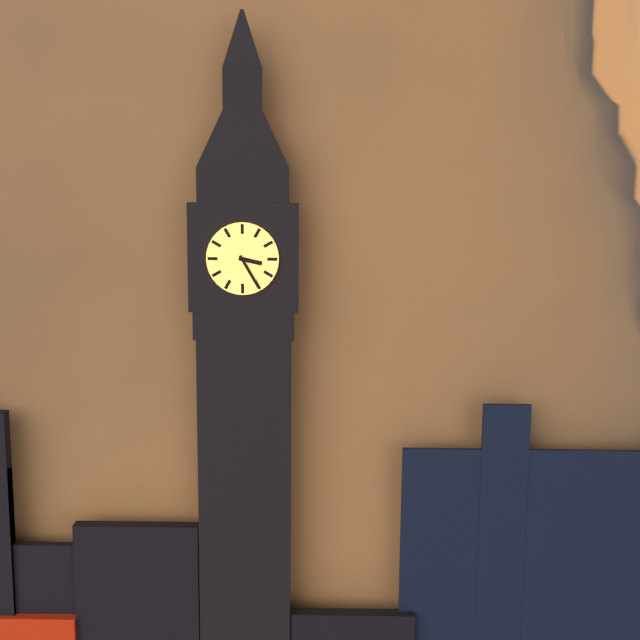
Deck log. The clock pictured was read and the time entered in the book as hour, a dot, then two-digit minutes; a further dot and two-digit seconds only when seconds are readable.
3.25
